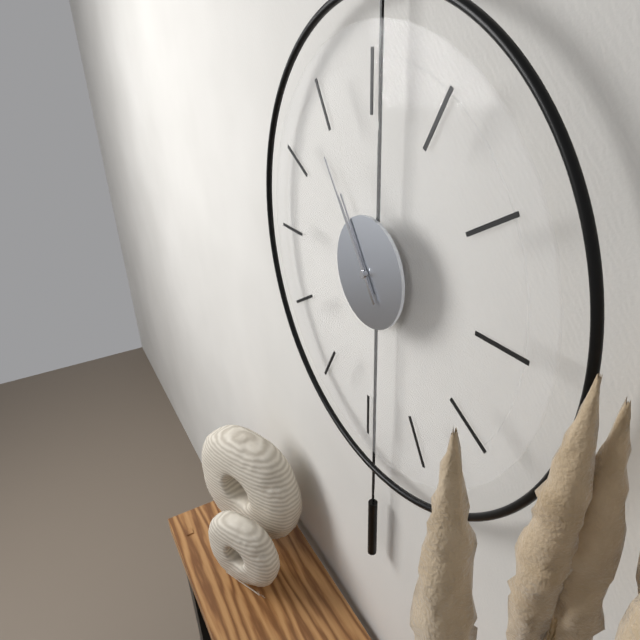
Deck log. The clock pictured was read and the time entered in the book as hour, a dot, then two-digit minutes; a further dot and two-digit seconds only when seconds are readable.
10.54
